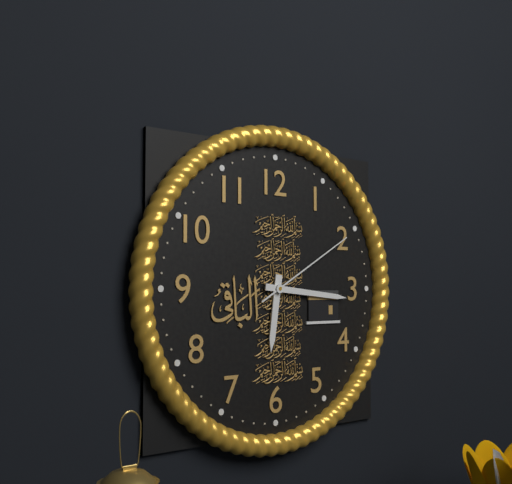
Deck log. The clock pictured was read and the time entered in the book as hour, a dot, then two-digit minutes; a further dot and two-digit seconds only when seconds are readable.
6.16.10
